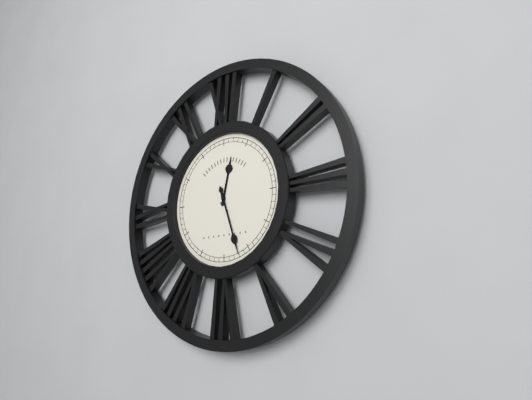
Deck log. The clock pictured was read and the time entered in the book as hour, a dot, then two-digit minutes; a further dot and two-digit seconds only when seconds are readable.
12.27
